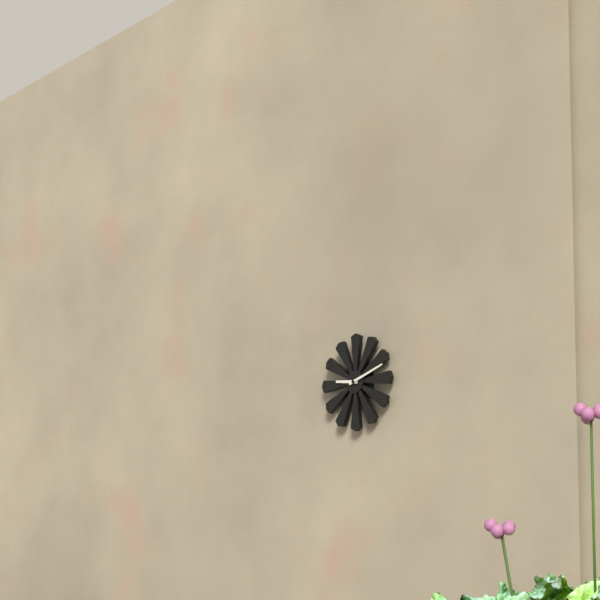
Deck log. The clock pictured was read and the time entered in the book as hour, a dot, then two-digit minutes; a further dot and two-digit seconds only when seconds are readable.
9.12
